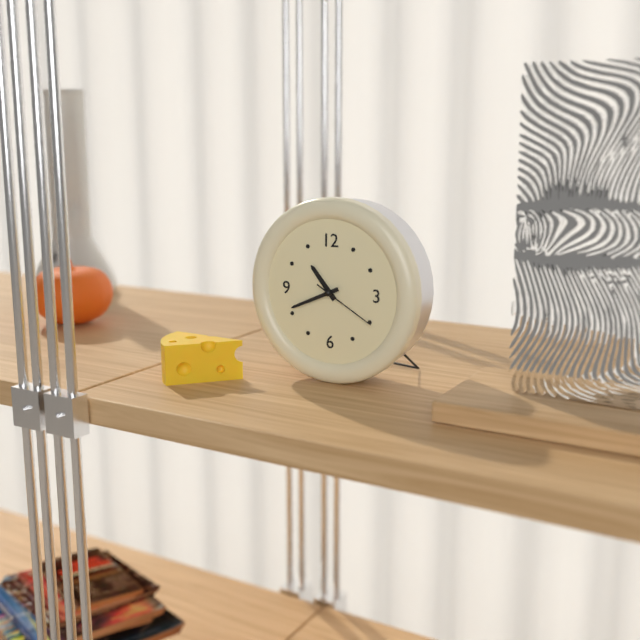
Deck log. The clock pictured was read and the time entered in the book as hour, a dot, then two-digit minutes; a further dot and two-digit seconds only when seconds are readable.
10.41.20
